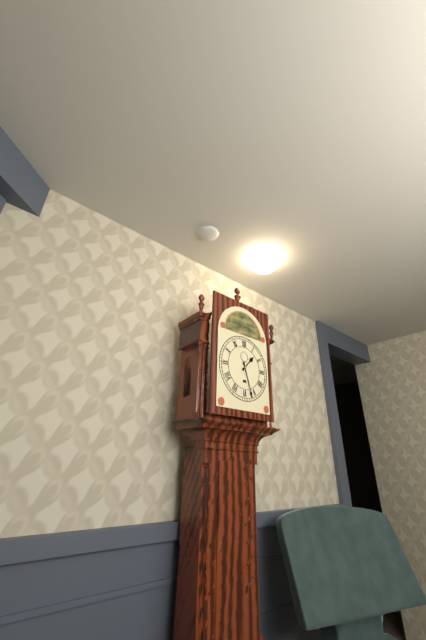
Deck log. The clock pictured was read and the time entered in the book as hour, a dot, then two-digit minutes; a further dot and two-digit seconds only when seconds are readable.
1.27
